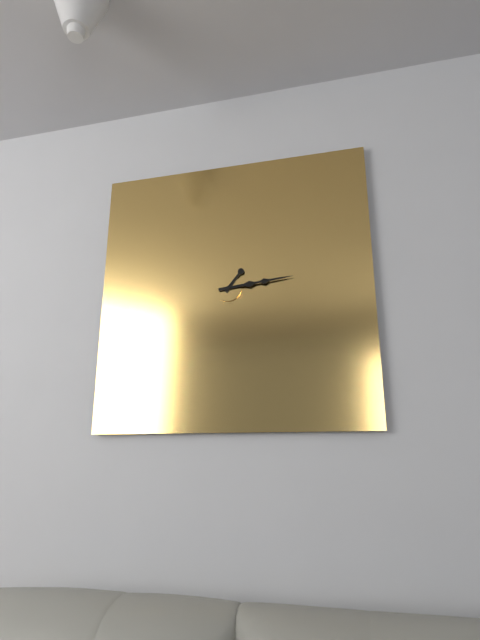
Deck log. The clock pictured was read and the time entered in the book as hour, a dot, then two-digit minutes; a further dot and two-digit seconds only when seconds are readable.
1.14
